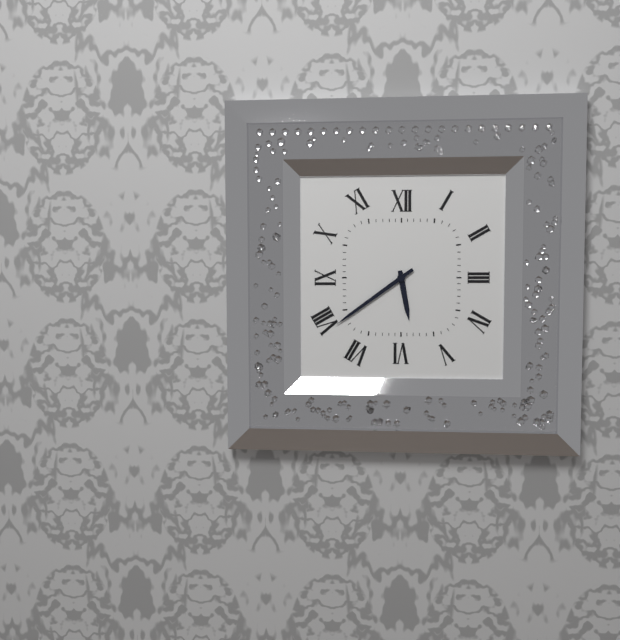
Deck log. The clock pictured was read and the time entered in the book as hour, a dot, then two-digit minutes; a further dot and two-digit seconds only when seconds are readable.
5.39
